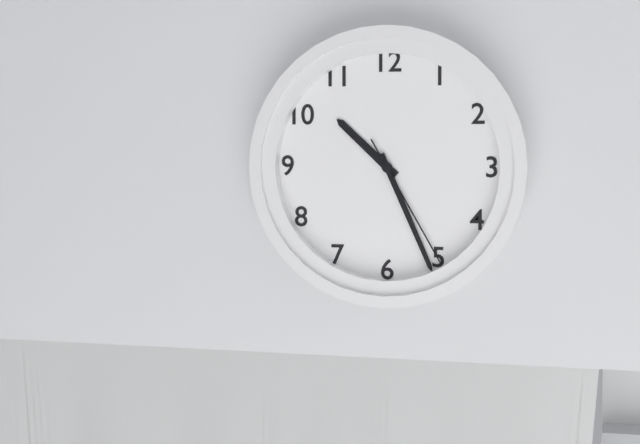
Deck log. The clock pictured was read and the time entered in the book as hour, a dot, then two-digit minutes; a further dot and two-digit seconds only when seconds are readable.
10.26.25
